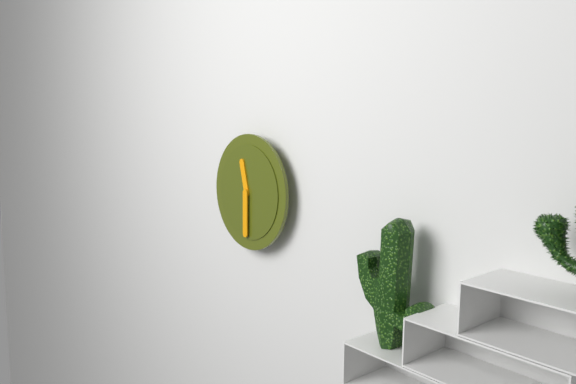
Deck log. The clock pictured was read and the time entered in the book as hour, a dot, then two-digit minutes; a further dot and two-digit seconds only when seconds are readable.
11.30
